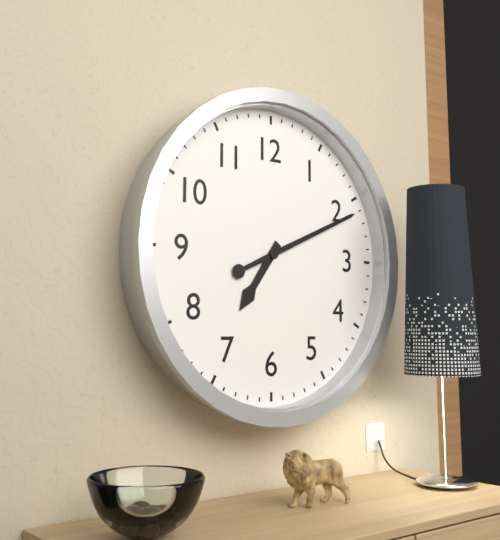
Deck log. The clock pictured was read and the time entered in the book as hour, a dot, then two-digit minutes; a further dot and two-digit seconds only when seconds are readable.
7.11
